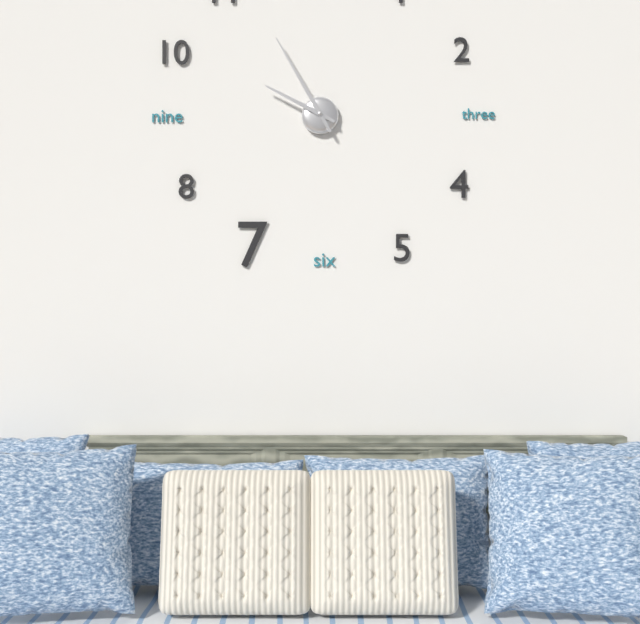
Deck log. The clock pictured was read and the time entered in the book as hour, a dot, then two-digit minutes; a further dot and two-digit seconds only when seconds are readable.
9.55
